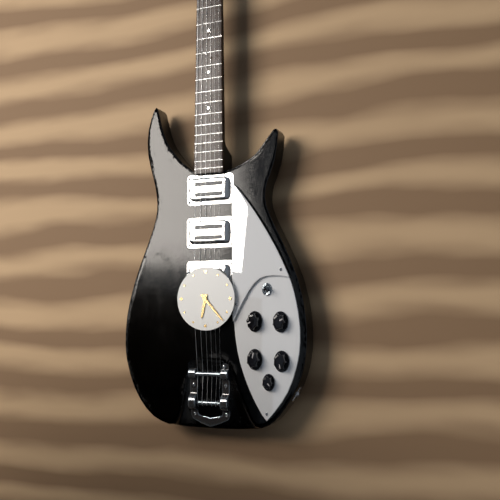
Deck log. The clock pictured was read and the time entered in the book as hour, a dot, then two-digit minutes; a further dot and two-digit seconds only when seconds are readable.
6.23
